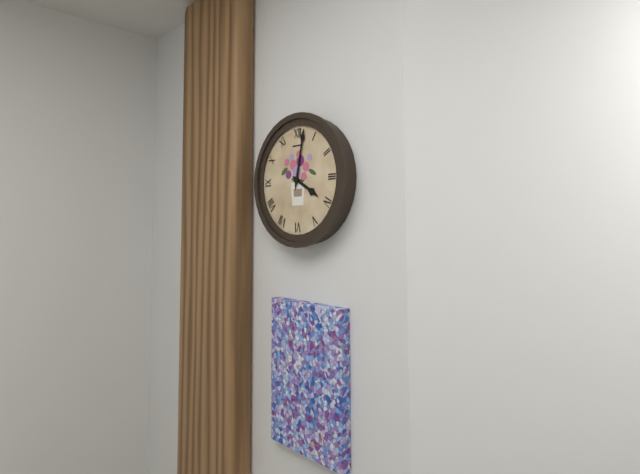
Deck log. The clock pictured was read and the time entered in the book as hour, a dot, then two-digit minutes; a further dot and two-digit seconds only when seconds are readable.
4.02
